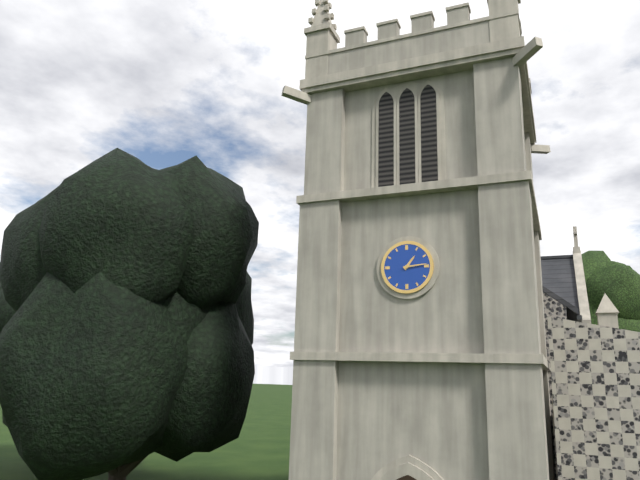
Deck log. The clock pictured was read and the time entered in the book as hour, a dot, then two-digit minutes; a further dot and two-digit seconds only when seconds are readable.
1.14
